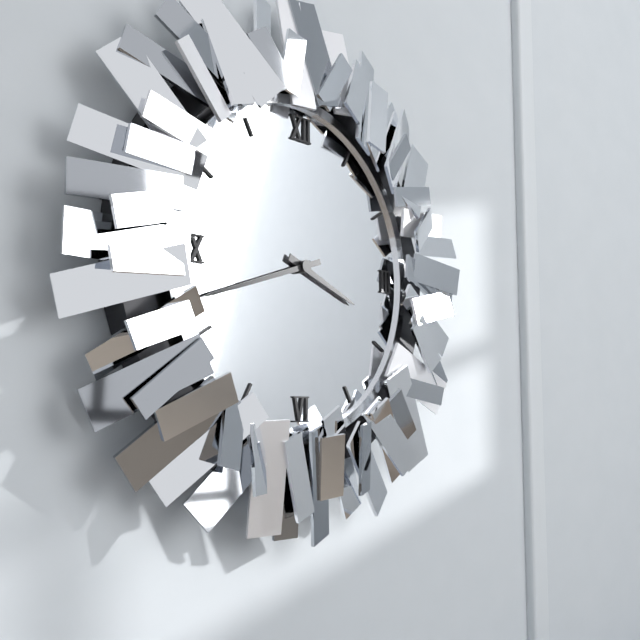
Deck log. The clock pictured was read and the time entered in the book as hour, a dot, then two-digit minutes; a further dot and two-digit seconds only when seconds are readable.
3.42
